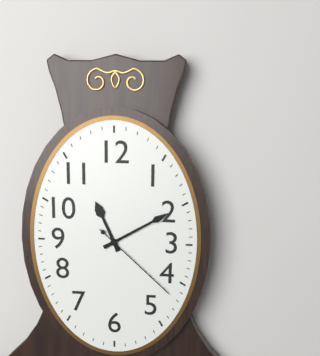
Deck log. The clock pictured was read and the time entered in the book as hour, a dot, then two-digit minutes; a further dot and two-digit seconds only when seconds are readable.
11.10.22
